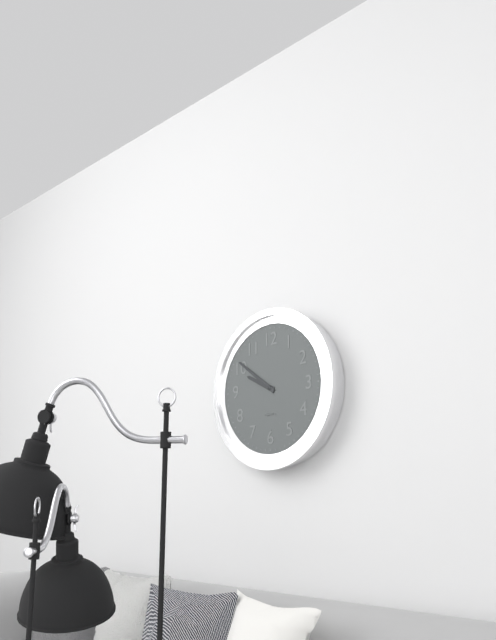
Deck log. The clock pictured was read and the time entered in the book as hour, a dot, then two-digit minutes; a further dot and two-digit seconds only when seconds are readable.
9.51
